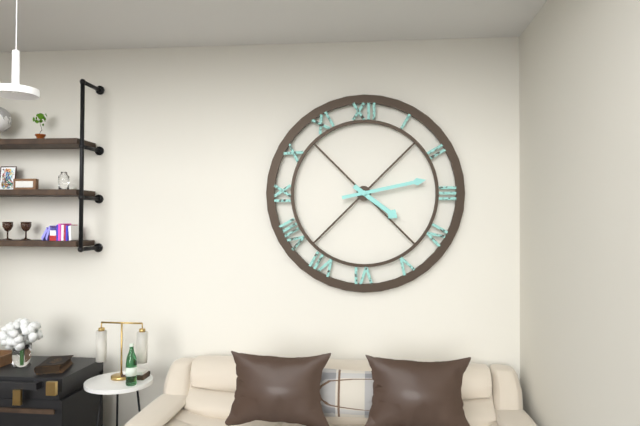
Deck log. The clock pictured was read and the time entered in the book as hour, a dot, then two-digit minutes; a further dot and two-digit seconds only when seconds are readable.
4.13
